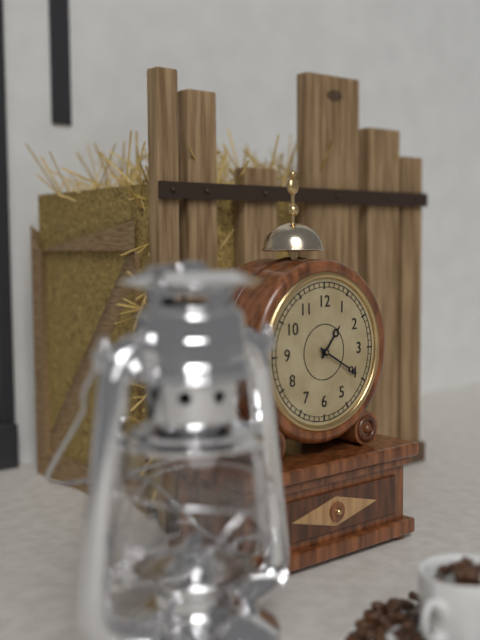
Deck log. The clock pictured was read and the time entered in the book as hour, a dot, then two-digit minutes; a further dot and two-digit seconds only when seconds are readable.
1.20
